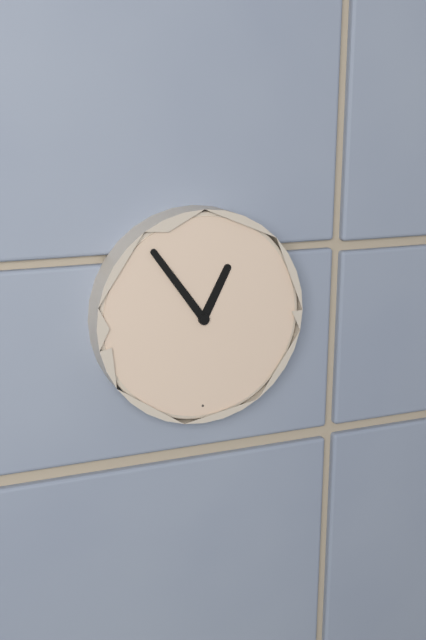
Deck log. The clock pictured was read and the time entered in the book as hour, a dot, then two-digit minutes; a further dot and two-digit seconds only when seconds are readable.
12.54
